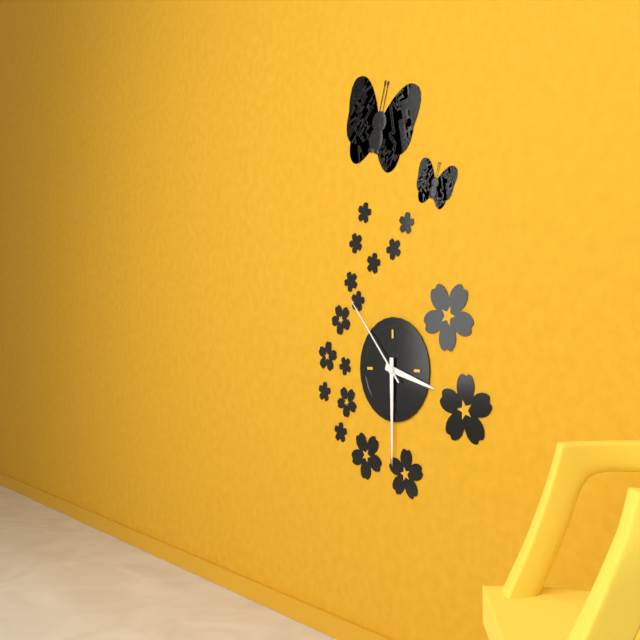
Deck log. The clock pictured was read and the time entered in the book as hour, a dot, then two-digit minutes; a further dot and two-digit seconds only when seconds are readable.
3.30.53
